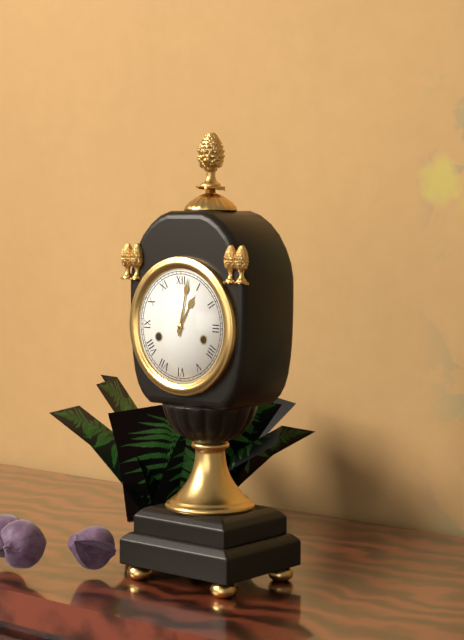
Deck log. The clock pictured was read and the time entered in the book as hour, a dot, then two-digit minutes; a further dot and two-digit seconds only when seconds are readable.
1.02
